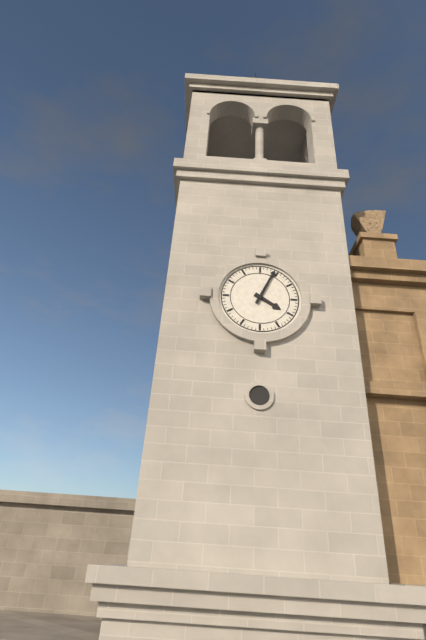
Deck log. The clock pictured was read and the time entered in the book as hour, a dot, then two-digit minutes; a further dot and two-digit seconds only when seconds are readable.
4.04
